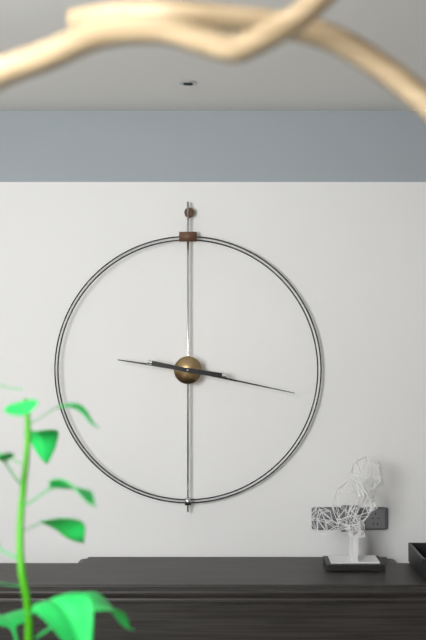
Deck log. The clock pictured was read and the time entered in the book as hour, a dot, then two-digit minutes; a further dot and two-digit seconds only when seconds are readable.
9.17
